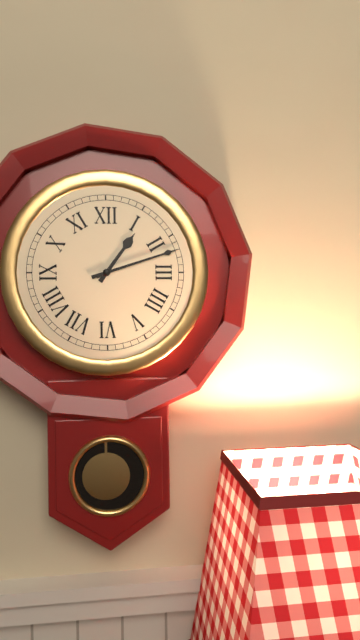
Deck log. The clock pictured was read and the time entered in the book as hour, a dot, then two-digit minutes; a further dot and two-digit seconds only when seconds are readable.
1.12
